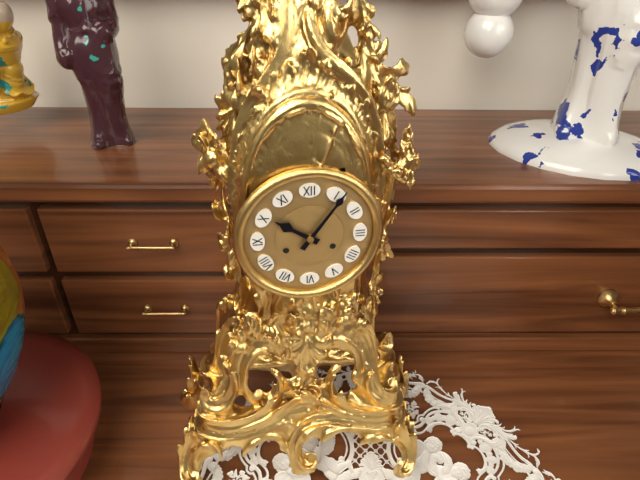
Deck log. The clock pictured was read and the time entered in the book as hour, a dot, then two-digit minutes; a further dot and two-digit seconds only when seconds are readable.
10.06
